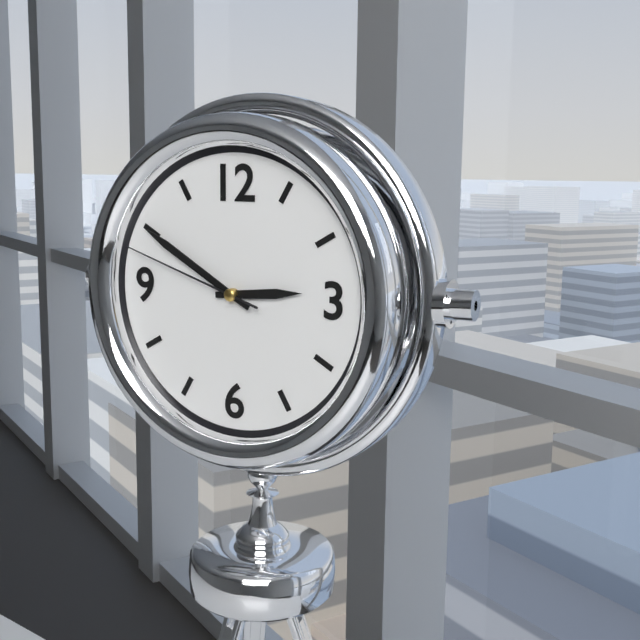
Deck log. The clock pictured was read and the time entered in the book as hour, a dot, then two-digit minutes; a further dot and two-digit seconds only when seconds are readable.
2.50.48
